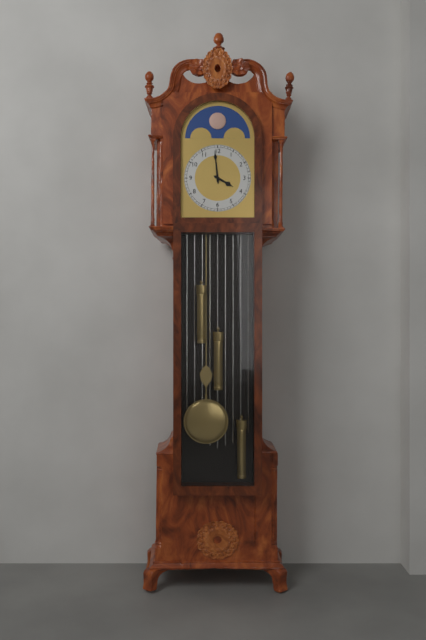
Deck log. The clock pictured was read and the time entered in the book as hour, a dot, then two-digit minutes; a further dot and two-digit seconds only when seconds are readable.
3.59
